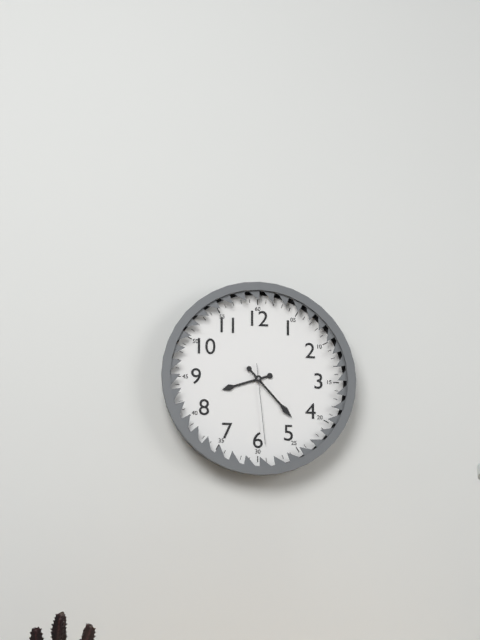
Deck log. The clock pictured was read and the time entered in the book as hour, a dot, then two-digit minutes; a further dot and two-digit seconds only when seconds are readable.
8.23.29
